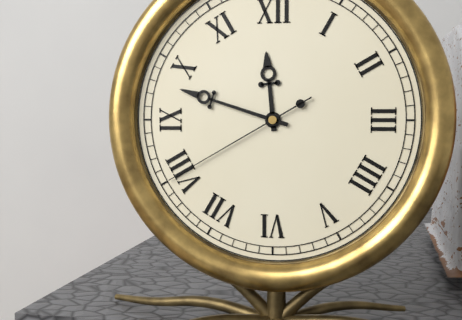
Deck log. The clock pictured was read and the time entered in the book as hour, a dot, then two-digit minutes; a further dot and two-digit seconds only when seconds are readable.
11.48.40
